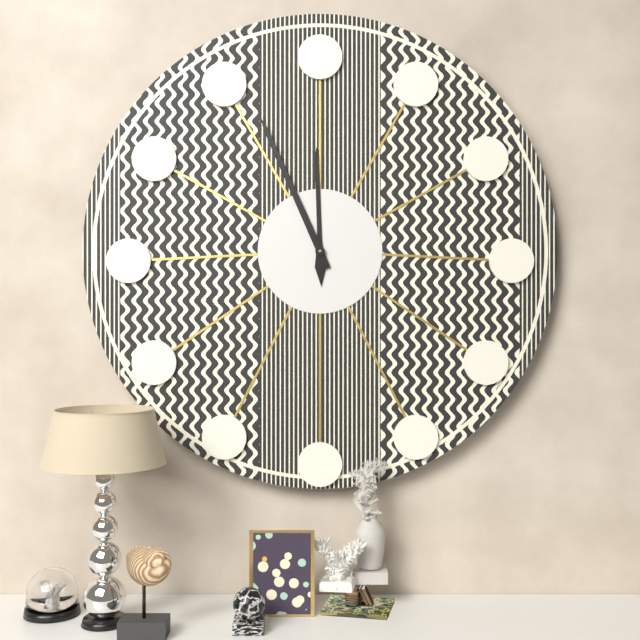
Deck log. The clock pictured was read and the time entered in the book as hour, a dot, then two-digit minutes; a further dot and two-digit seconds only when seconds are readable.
11.56
